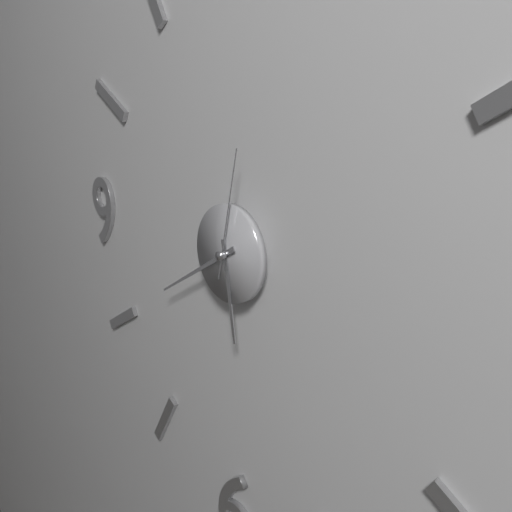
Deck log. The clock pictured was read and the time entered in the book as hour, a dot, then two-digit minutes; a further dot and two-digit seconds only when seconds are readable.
5.40.02
